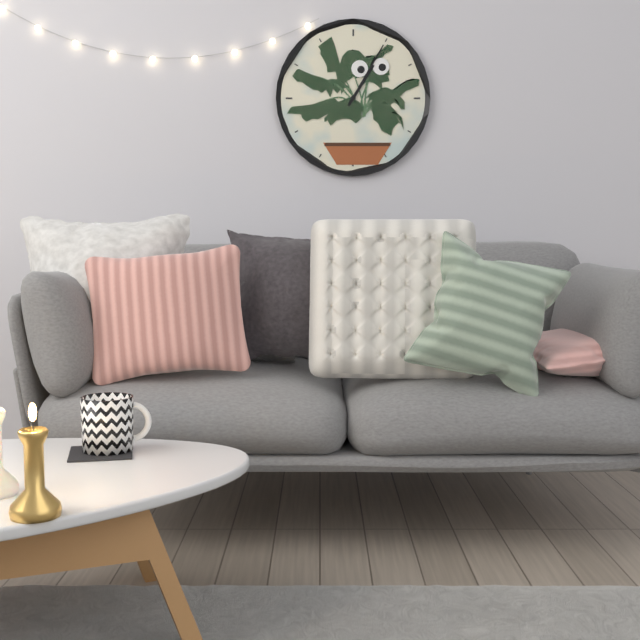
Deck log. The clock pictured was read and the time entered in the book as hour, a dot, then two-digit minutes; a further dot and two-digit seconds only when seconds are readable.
1.05
